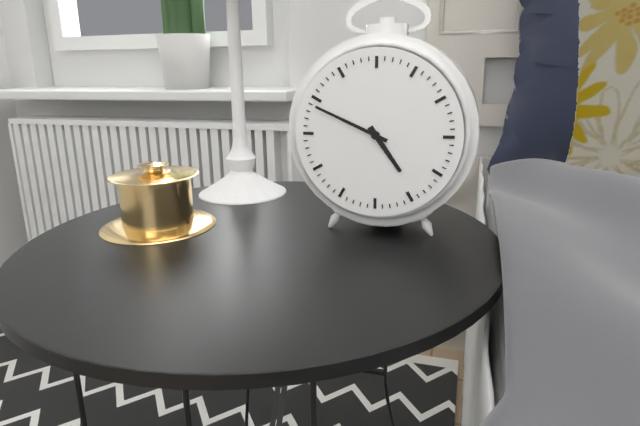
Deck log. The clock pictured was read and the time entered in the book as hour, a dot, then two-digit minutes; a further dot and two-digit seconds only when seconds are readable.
4.49
